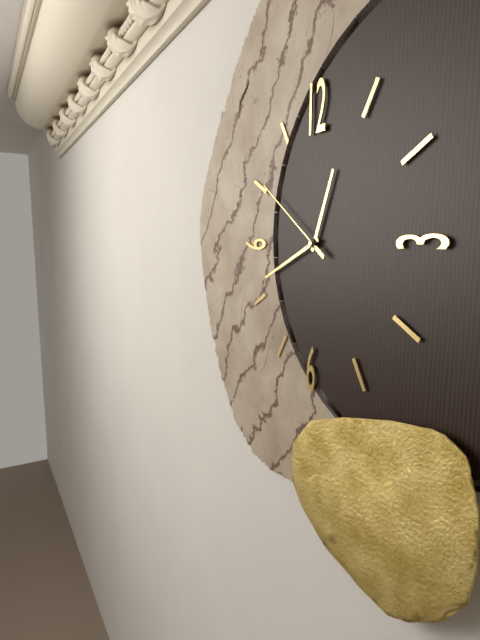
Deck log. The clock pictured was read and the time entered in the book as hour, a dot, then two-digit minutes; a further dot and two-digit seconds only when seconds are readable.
12.41.51
